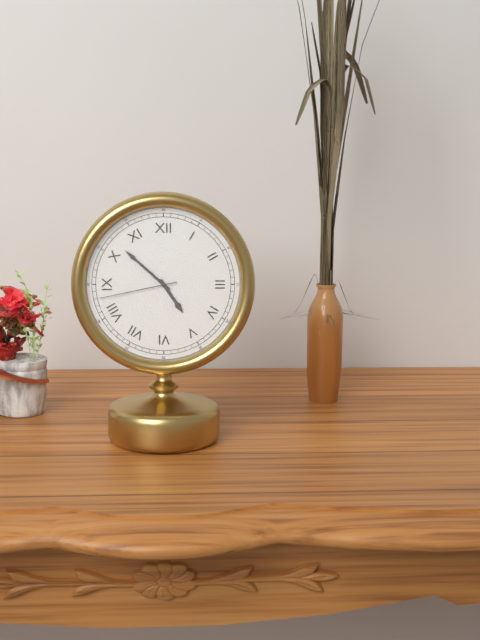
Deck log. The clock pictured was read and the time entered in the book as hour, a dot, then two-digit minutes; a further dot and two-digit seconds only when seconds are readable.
4.52.43
